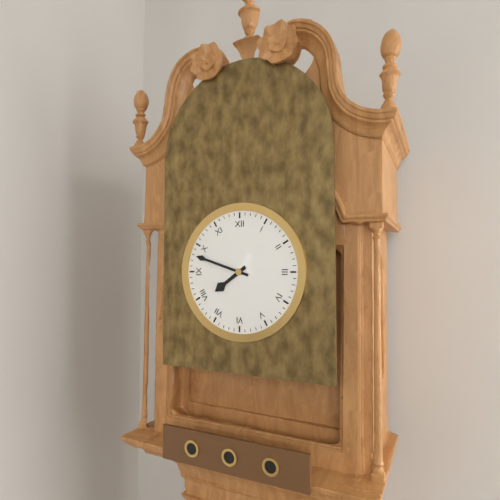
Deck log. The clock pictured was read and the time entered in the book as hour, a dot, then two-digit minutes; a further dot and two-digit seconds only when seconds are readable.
7.48
